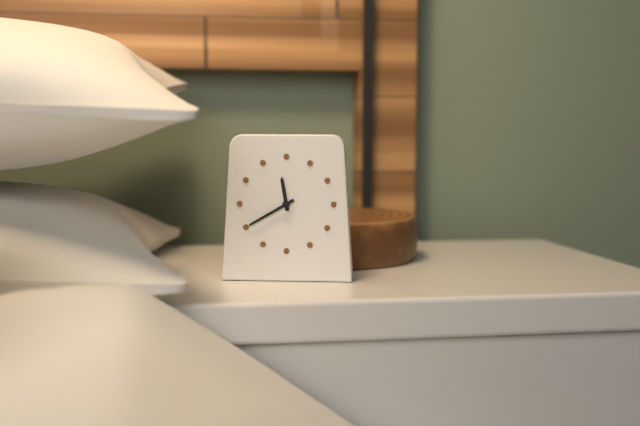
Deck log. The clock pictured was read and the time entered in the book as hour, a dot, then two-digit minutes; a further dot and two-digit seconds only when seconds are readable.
11.40
